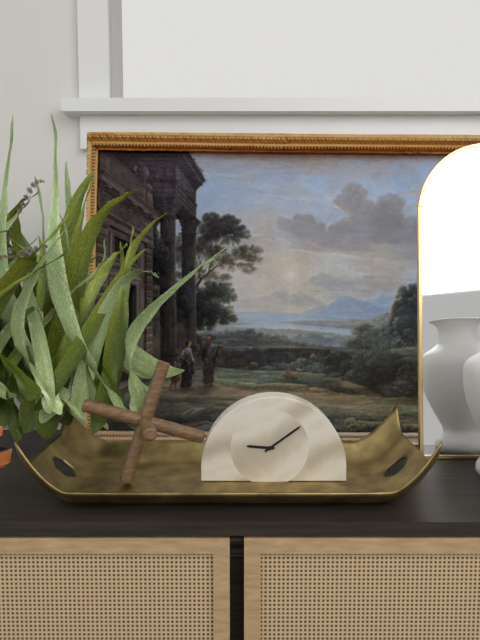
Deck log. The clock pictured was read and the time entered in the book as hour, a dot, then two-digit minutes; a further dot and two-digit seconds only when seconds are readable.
9.09
